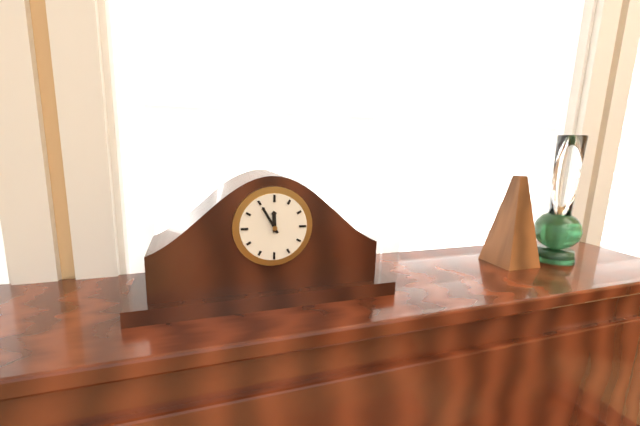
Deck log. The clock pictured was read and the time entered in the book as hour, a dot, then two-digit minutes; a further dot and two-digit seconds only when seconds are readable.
11.55
